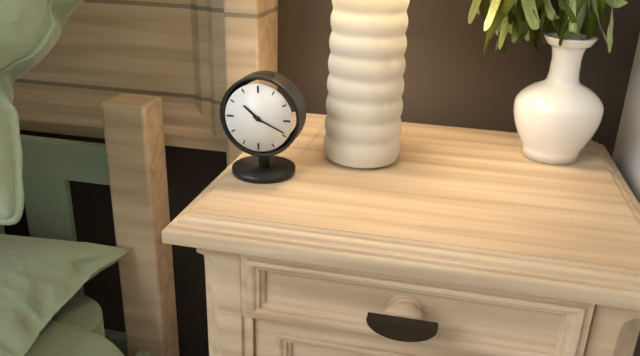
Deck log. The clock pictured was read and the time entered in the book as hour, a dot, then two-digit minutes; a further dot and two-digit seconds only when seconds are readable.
10.19
